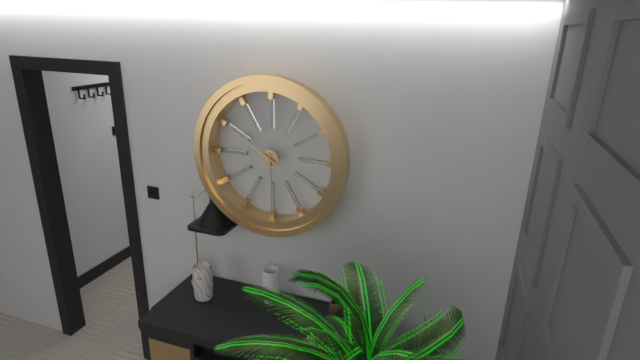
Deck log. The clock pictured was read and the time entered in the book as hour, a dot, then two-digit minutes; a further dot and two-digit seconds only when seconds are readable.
5.50
